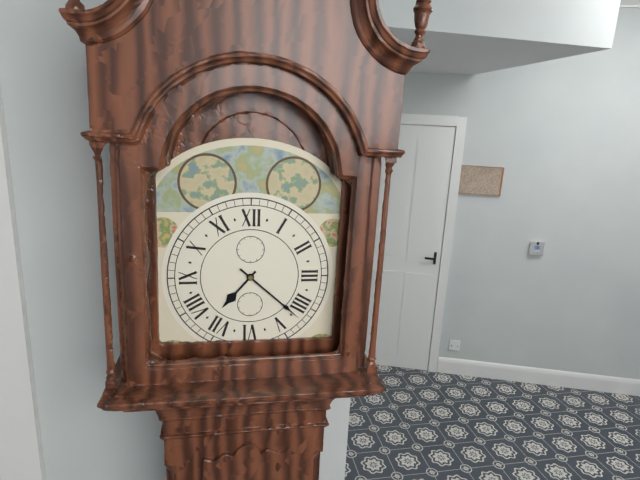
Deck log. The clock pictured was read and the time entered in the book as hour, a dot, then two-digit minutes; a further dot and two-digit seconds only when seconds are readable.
7.22
